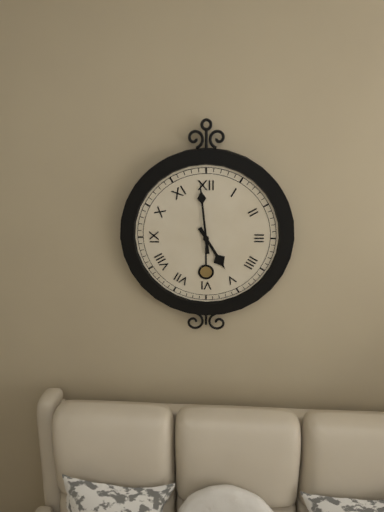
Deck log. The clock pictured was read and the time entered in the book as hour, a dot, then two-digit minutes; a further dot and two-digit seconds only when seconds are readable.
4.59
